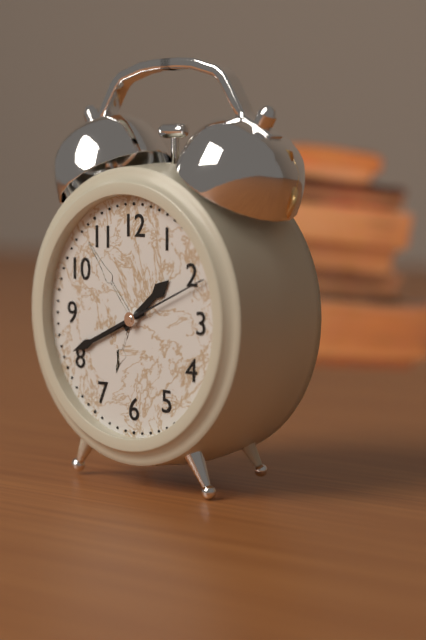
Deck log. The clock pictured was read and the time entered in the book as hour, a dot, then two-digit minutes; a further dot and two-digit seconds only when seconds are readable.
1.41.11
